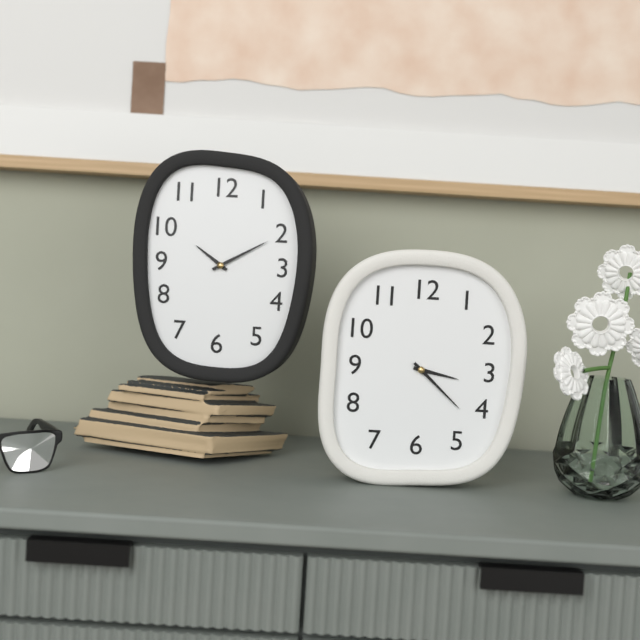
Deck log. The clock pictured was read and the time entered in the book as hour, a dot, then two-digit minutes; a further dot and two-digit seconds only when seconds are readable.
3.22
